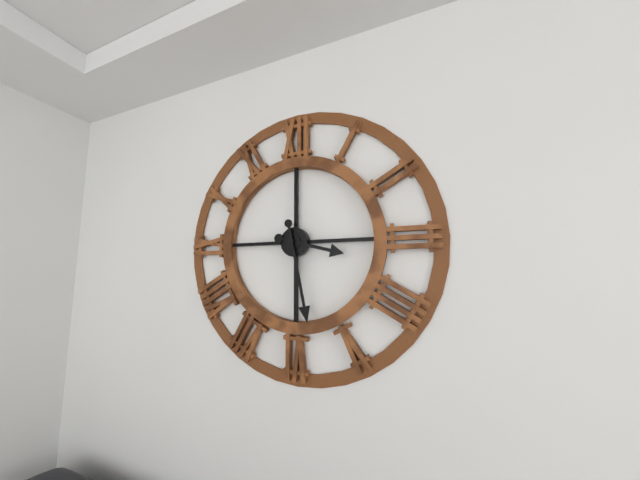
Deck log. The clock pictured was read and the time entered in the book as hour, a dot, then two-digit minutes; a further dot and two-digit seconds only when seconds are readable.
3.28
